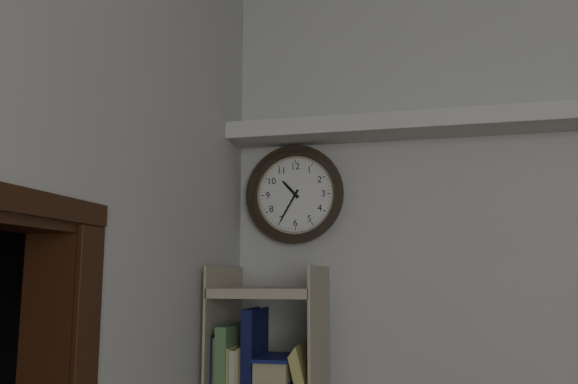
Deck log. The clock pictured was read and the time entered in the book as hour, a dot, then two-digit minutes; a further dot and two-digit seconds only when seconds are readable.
10.35
